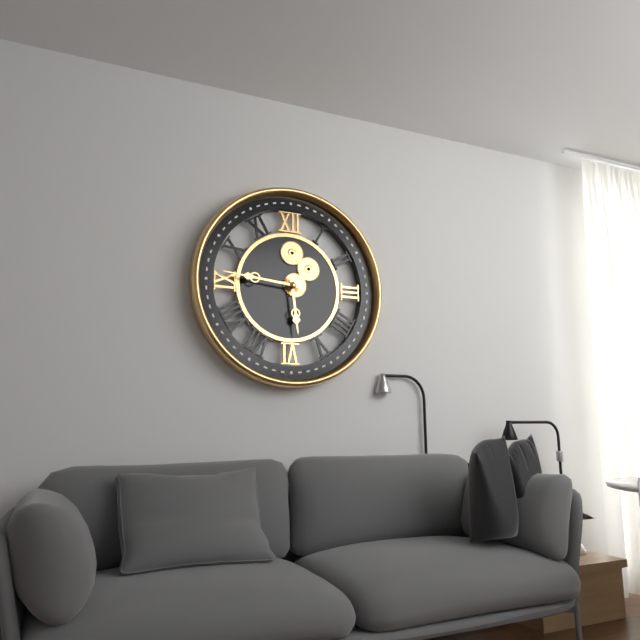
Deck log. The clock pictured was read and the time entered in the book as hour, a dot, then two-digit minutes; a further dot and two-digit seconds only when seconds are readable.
5.46
